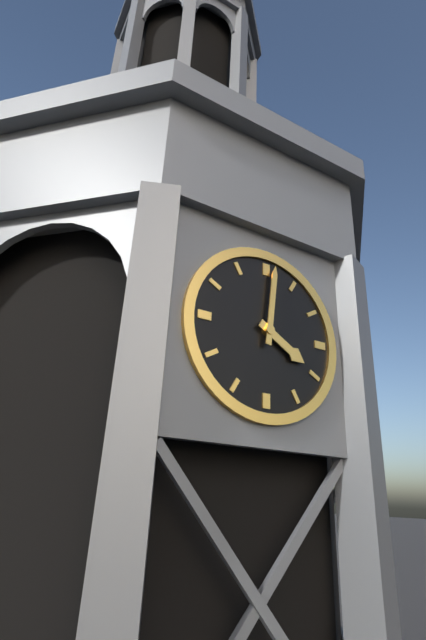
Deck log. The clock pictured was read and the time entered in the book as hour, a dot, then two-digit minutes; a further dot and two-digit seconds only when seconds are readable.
4.01
